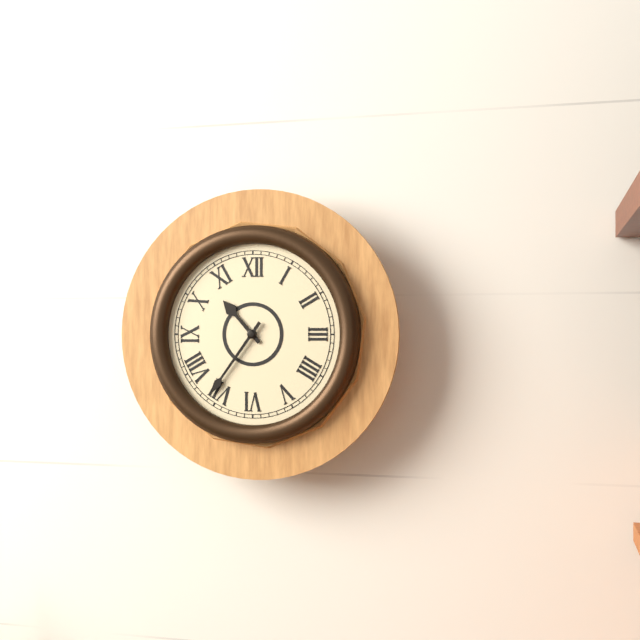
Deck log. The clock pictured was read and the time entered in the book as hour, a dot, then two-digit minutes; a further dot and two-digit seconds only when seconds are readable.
10.36
